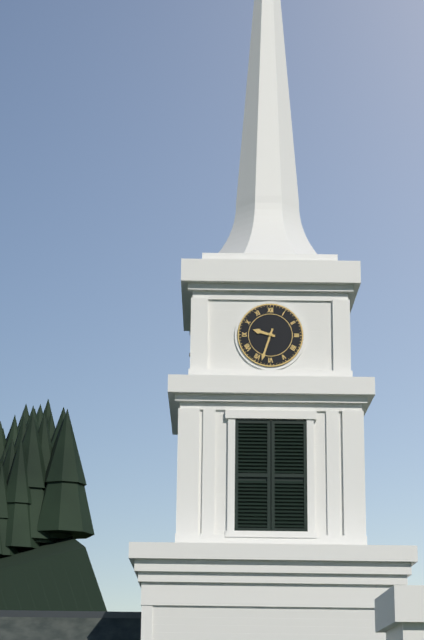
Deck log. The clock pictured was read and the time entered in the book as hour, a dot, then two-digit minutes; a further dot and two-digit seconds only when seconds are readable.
9.33
